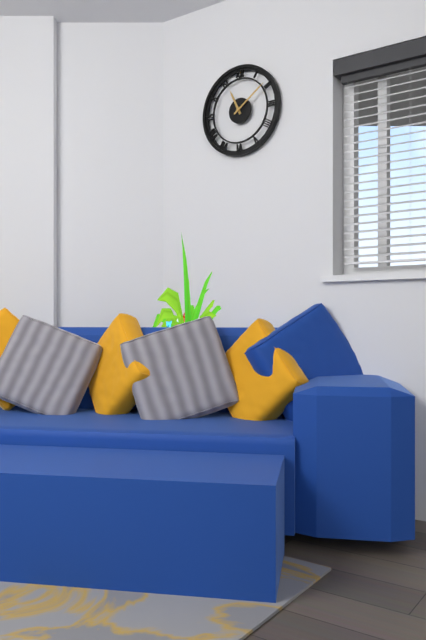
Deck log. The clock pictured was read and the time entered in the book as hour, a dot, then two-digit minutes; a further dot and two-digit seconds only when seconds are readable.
11.09
